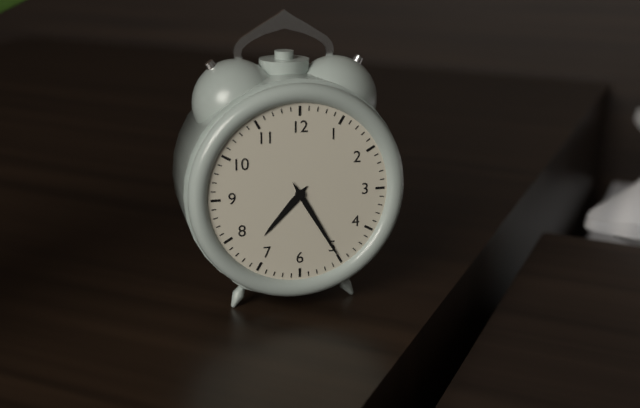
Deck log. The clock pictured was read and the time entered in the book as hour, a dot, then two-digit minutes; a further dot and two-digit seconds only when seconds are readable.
7.25
